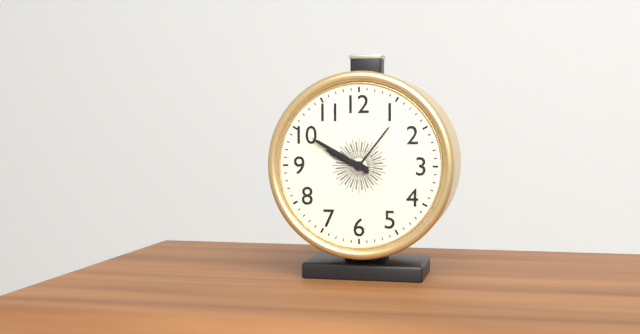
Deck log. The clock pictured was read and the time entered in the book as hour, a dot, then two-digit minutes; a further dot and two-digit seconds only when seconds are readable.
9.50
